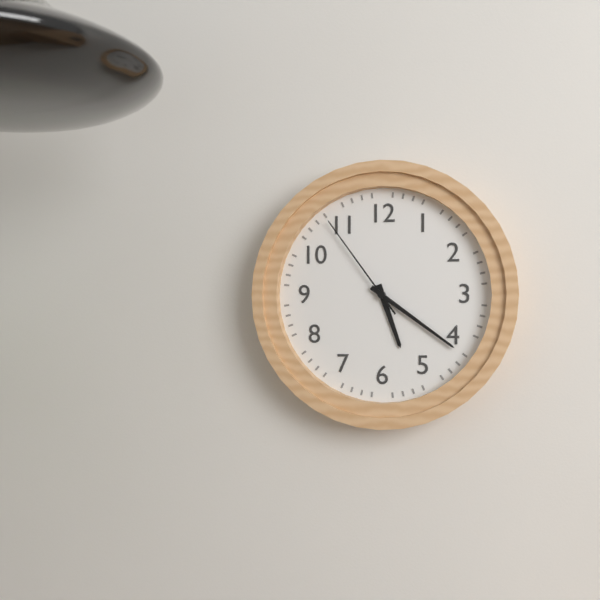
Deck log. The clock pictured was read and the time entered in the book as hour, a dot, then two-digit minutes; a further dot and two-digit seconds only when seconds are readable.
5.21.54
